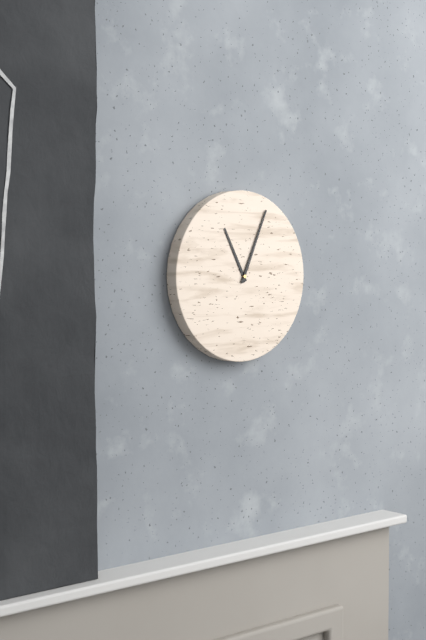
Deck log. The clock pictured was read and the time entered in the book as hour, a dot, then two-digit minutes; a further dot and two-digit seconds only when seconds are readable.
11.04
